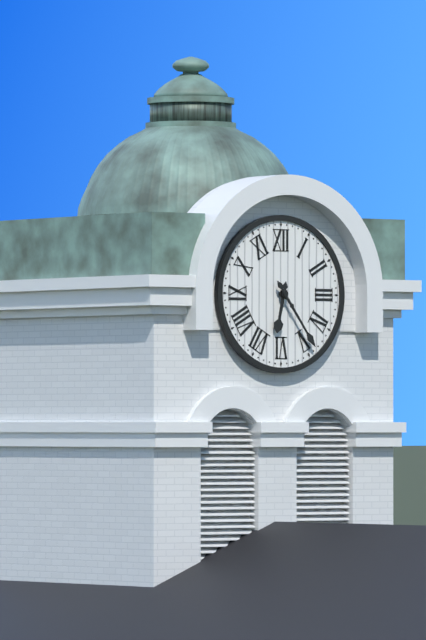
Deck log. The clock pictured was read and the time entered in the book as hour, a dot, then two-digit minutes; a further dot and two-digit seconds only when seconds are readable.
6.24
